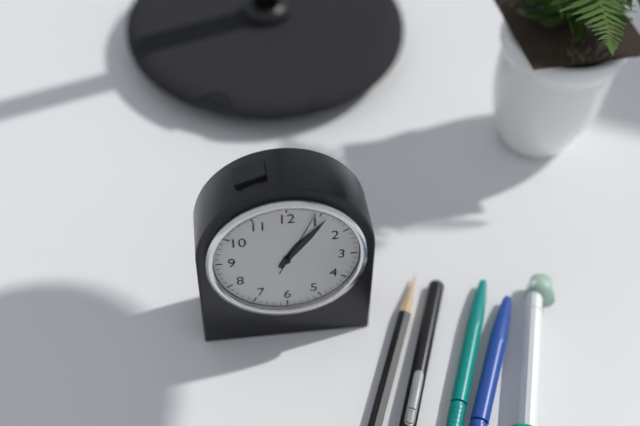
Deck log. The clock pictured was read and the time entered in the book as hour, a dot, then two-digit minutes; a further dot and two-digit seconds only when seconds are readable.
1.06.04
